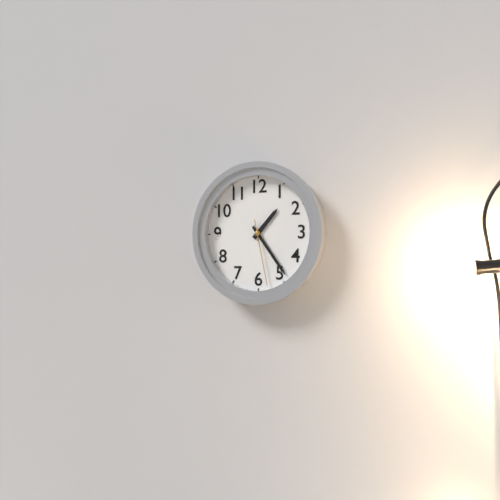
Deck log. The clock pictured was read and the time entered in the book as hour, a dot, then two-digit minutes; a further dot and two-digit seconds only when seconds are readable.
1.24.28
